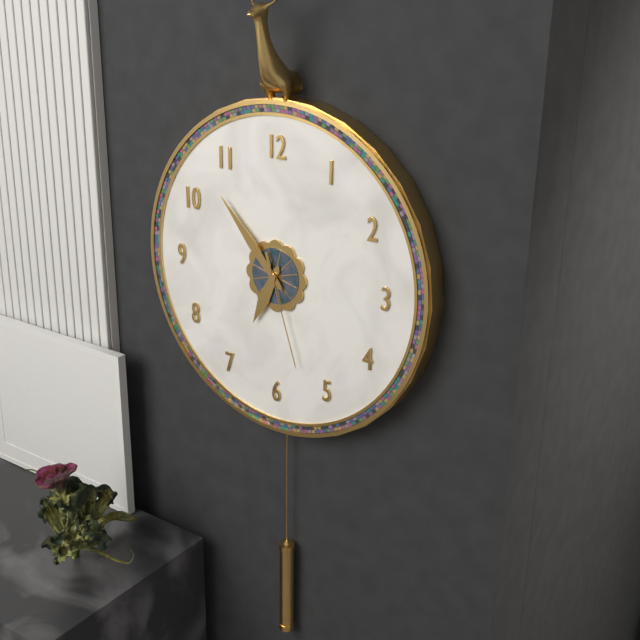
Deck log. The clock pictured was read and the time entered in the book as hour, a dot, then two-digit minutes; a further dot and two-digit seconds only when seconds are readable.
6.53.27
